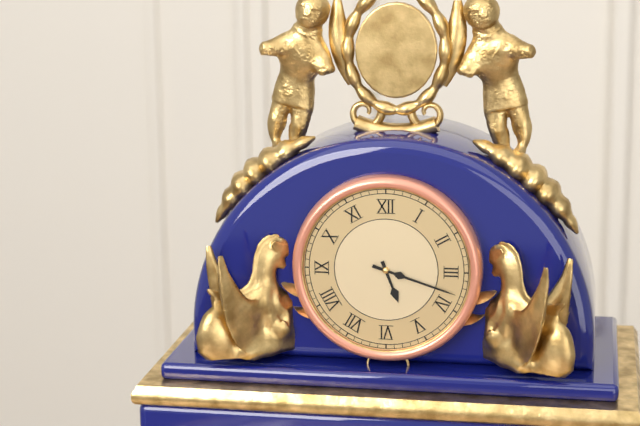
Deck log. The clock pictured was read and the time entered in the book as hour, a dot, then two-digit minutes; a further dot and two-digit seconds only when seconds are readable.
5.18
